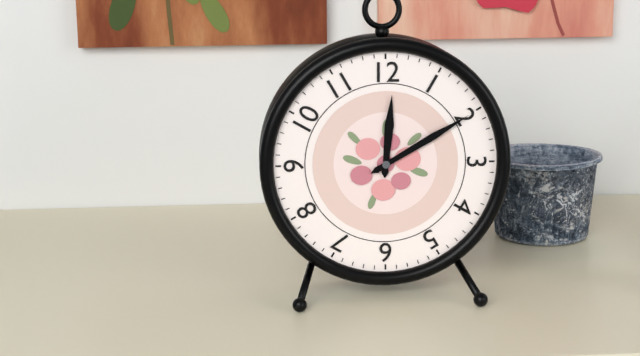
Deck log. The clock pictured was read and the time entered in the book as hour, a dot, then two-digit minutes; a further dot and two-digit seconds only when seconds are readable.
12.10
